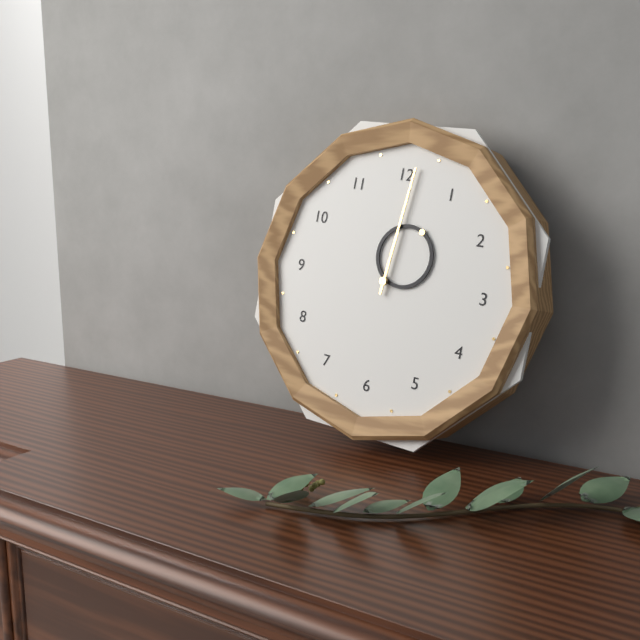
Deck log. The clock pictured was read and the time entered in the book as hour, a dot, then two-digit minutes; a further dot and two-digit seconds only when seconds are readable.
1.01
